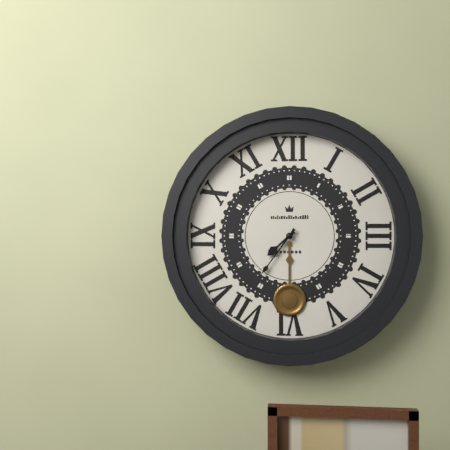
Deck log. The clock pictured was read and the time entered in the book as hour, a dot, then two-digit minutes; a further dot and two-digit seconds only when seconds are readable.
7.36
